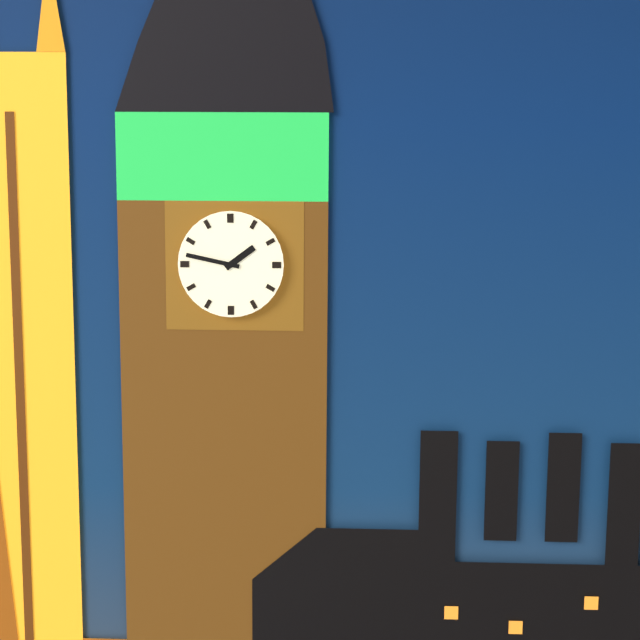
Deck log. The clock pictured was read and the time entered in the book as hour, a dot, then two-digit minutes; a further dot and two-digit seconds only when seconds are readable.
1.47
